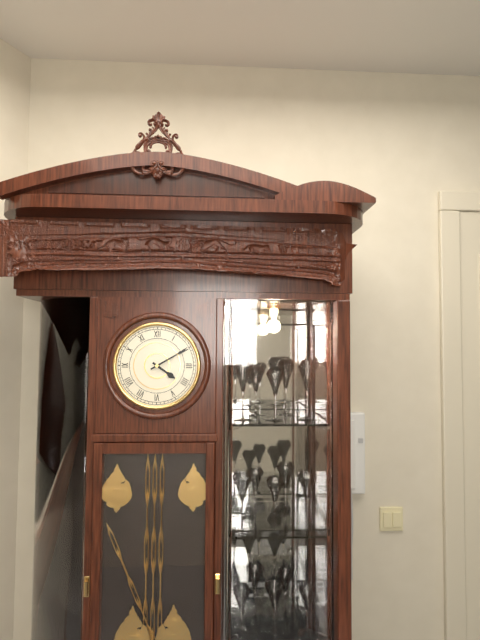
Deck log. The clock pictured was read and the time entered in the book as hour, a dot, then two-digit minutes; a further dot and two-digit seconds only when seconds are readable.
4.10
